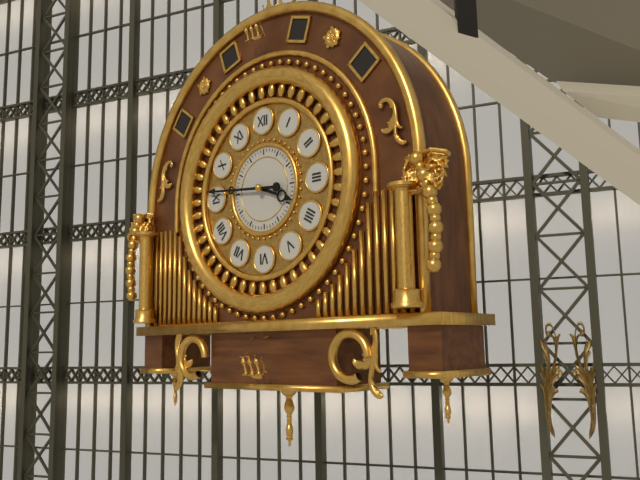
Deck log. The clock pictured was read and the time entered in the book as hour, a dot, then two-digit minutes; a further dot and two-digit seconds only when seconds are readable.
3.46
